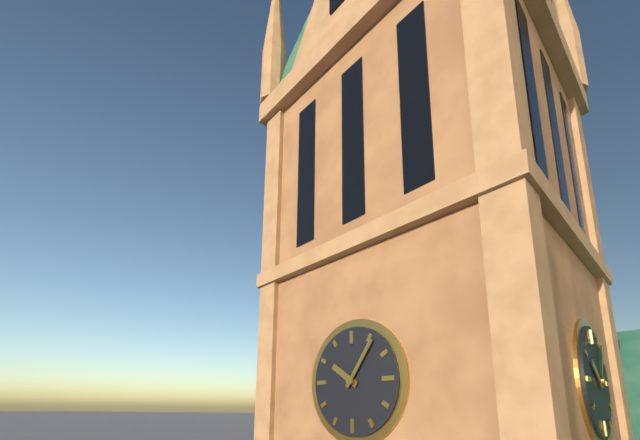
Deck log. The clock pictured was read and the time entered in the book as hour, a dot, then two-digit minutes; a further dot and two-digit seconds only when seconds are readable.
10.06
